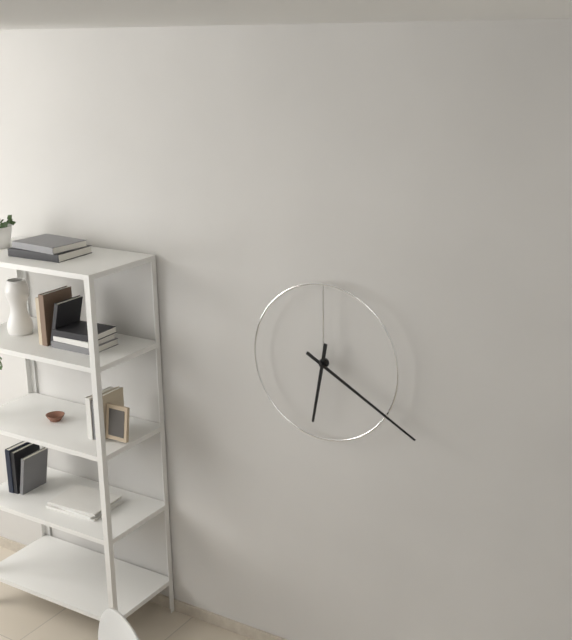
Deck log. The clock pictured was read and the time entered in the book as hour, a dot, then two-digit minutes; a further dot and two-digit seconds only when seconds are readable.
6.20
